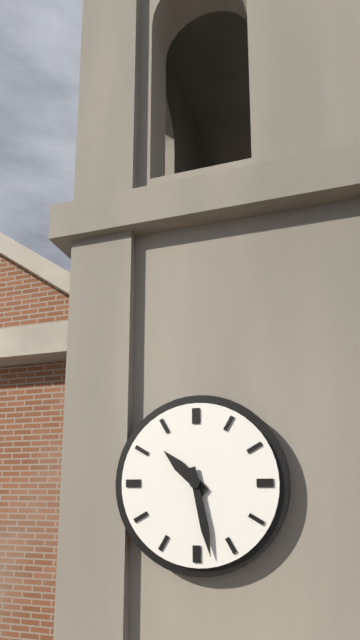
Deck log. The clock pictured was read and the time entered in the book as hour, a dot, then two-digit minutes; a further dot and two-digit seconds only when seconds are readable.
10.28
